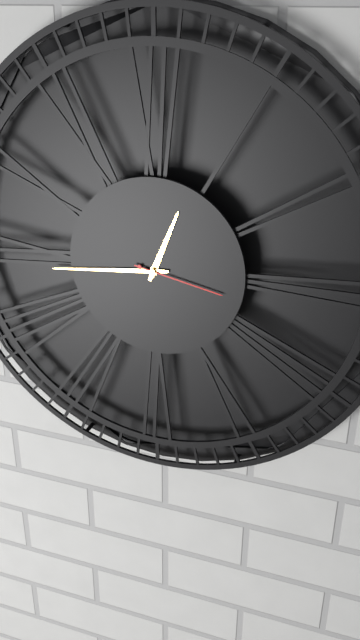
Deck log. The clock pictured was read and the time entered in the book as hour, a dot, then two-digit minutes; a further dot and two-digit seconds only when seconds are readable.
12.44.17
